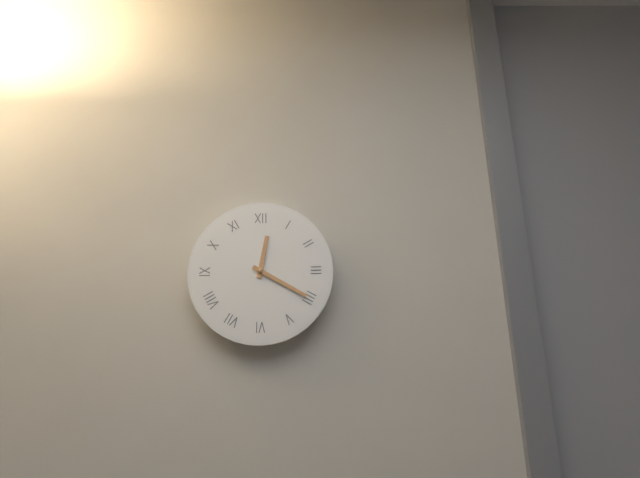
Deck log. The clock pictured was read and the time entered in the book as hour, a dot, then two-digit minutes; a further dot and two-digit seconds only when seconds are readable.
12.20
